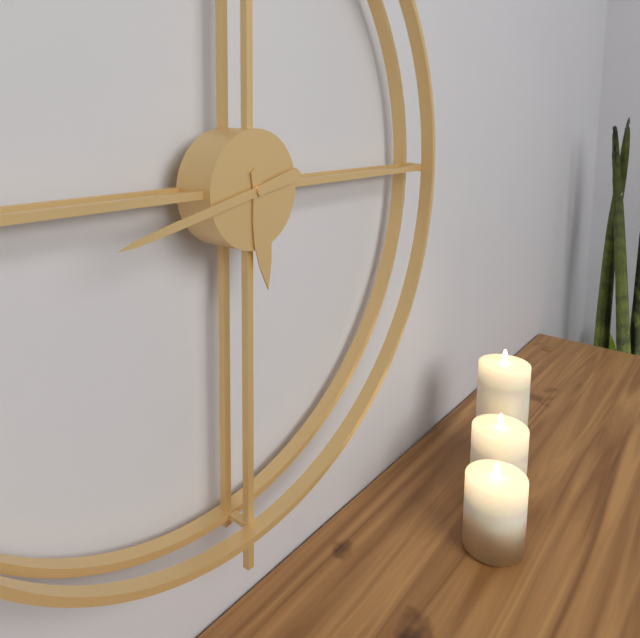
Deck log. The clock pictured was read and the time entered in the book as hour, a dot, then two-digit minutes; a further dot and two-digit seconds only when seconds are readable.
5.43
